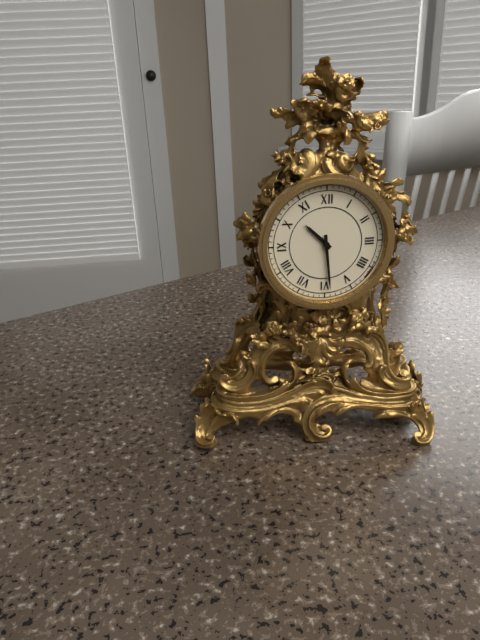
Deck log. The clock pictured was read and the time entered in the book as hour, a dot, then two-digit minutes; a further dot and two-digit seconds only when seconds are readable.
10.29
